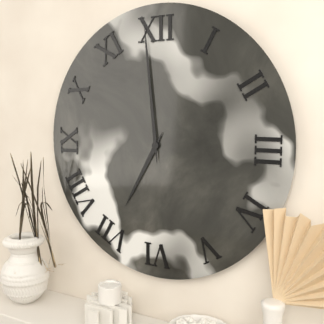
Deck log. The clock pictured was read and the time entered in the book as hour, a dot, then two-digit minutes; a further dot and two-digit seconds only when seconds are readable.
6.59
